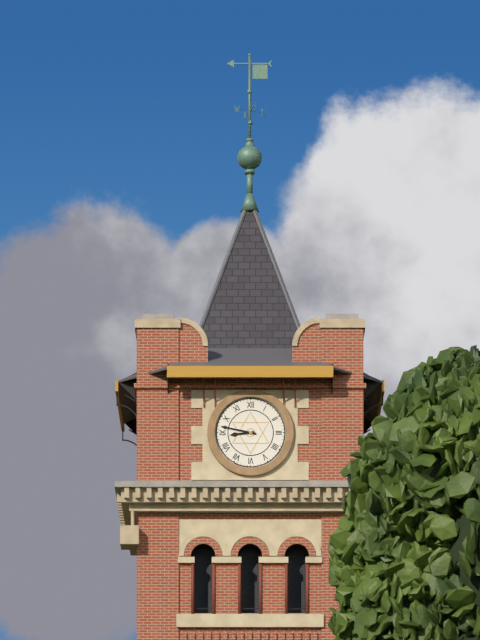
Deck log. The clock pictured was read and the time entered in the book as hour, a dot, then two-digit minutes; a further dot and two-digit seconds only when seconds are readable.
8.47
